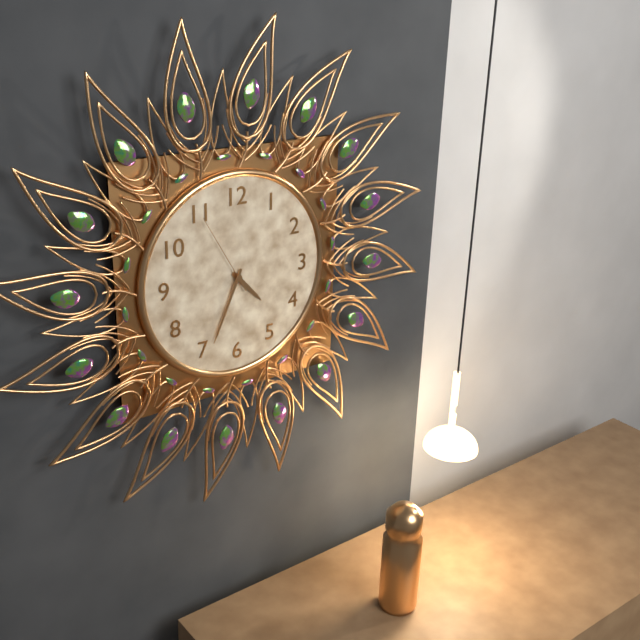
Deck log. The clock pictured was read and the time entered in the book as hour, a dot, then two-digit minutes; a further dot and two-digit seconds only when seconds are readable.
4.34.55
